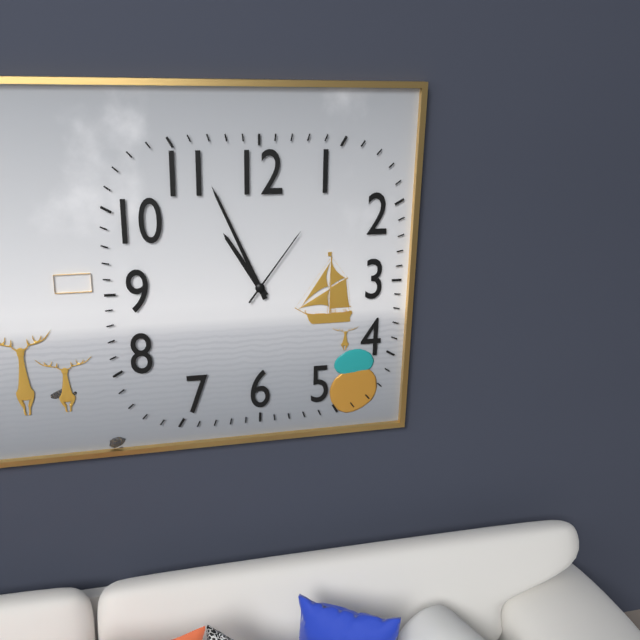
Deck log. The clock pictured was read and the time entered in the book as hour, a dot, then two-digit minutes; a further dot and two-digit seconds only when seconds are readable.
10.56.06
